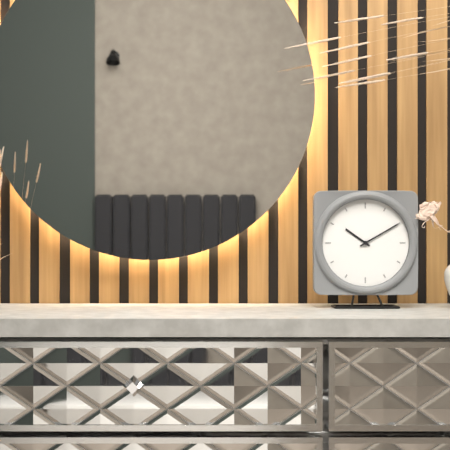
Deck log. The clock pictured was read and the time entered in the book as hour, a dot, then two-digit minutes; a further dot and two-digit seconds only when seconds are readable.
10.10
